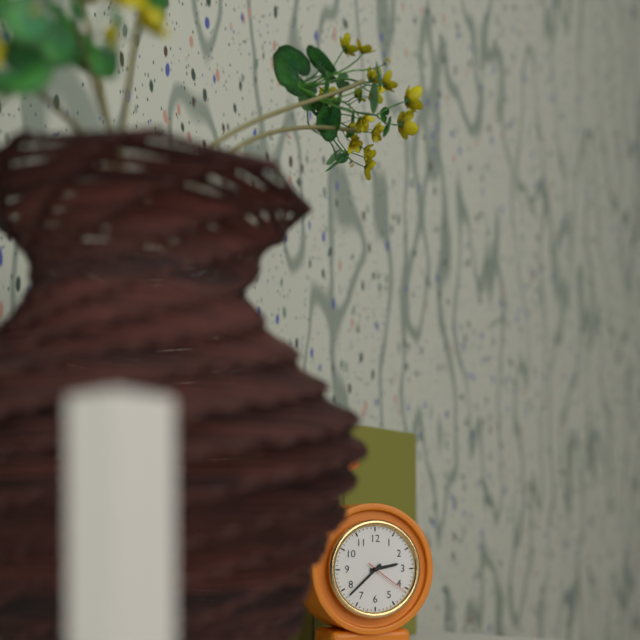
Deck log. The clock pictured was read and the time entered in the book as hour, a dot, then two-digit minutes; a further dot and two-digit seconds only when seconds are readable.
2.38
